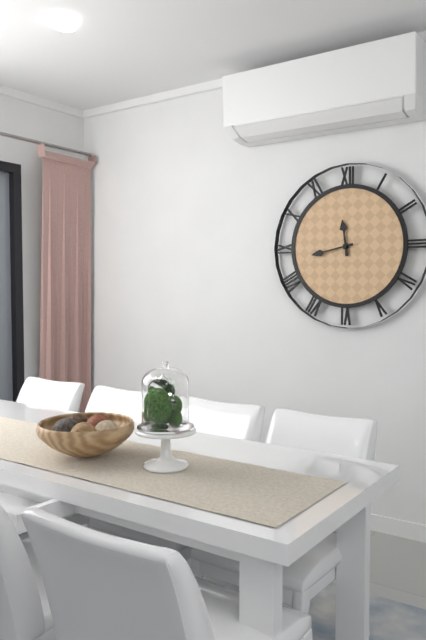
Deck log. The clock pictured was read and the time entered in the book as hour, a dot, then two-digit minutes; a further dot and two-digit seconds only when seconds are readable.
11.43
